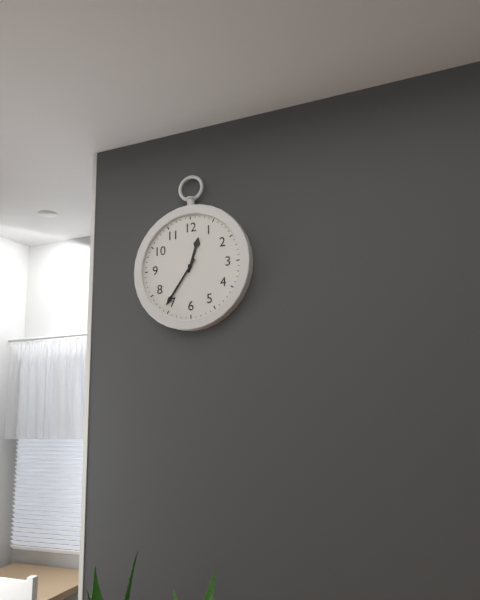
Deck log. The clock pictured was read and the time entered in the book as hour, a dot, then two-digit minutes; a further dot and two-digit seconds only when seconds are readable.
12.36
